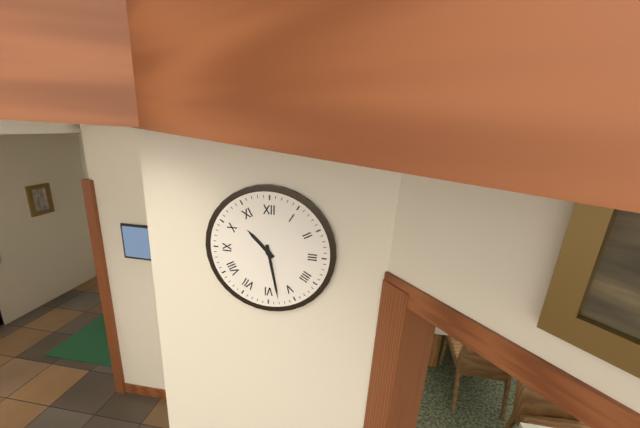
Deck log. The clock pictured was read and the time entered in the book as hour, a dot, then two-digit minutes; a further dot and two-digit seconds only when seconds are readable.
10.28
